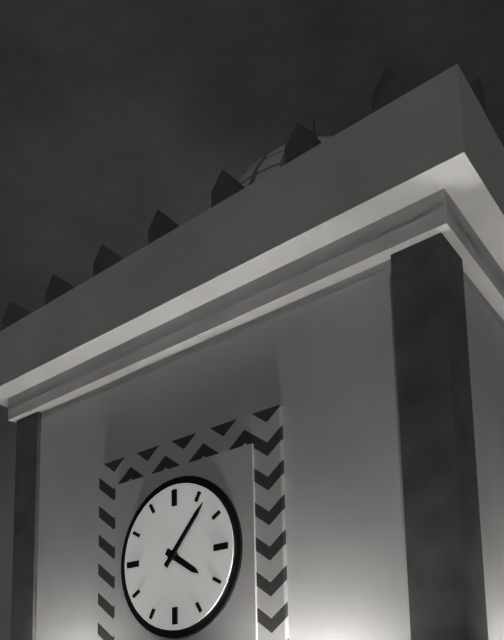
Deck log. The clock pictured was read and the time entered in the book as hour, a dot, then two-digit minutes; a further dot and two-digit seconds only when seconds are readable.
4.07
